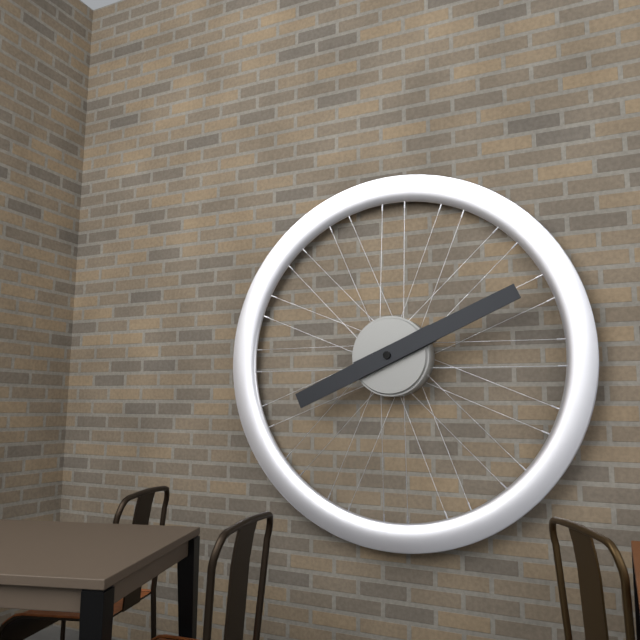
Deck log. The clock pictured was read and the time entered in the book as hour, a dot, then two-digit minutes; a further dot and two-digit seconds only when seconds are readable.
8.11
